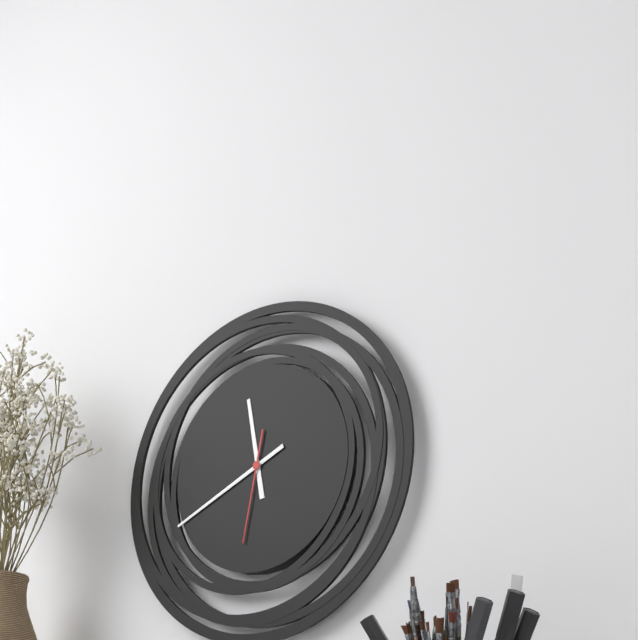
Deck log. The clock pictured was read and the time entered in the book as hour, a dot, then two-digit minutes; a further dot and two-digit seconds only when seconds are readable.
11.41.32
